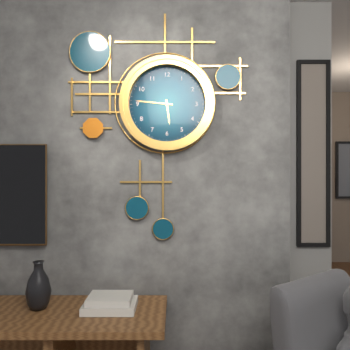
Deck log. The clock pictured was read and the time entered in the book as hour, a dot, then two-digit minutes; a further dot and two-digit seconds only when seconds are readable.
5.46
